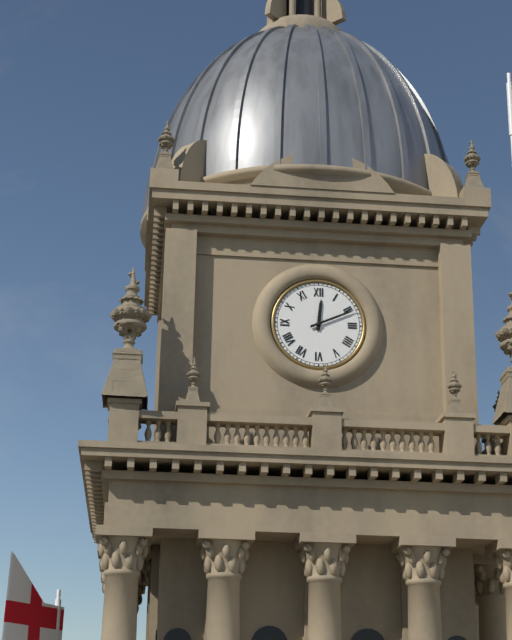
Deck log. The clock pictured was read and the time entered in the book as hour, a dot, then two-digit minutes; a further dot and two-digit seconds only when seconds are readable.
12.11
